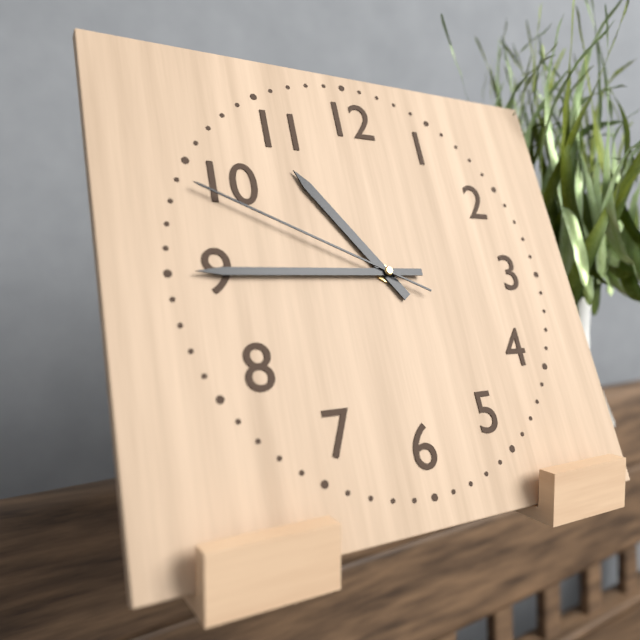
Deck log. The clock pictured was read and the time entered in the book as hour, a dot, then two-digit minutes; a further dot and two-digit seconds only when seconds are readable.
10.45.49
